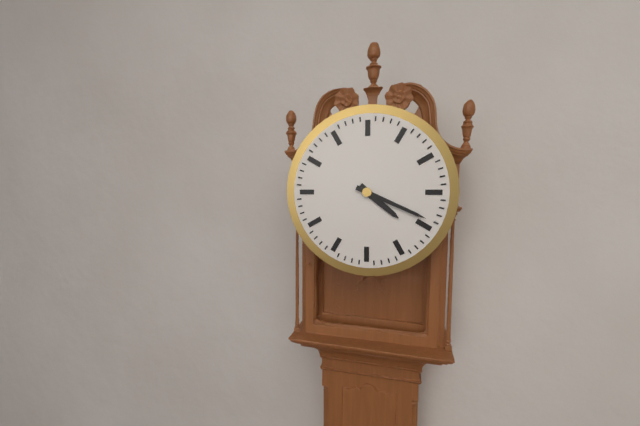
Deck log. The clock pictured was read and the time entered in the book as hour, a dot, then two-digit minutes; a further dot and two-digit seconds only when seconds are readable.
4.19
